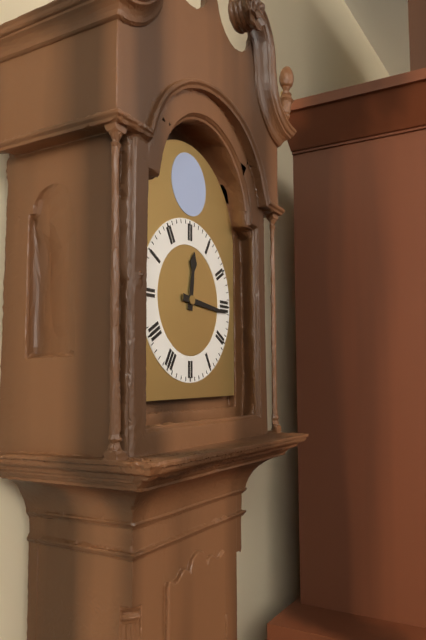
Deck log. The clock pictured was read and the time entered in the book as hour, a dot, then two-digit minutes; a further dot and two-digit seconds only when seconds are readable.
12.16
